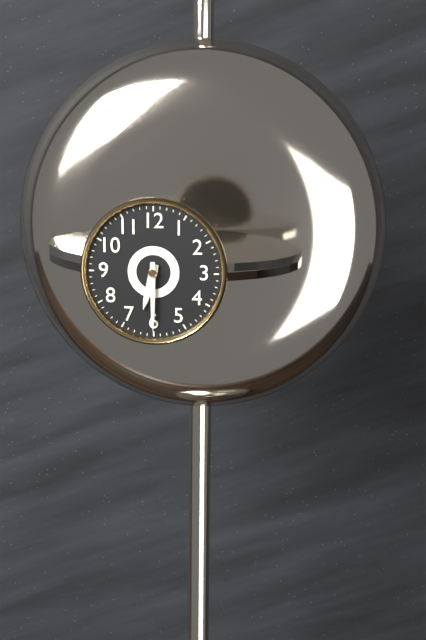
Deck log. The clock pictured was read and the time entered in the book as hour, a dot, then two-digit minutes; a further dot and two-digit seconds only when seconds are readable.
6.30
